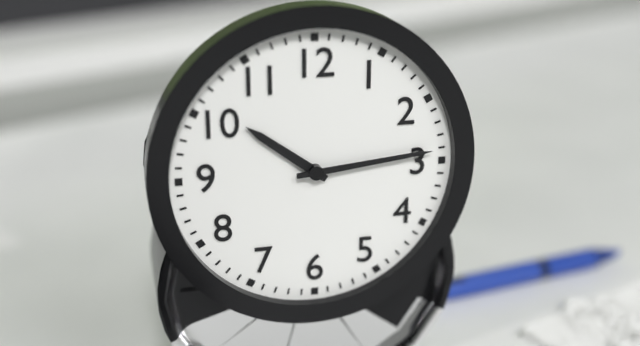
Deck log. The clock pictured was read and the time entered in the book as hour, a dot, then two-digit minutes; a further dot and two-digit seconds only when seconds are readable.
10.14
